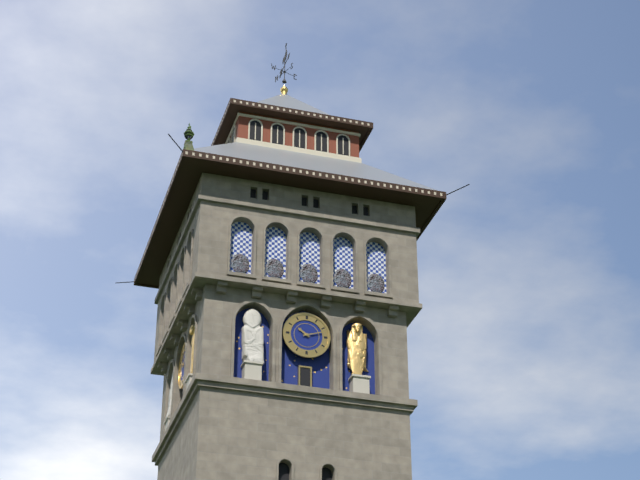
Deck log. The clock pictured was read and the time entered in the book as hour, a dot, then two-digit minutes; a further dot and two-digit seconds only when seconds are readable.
10.12
